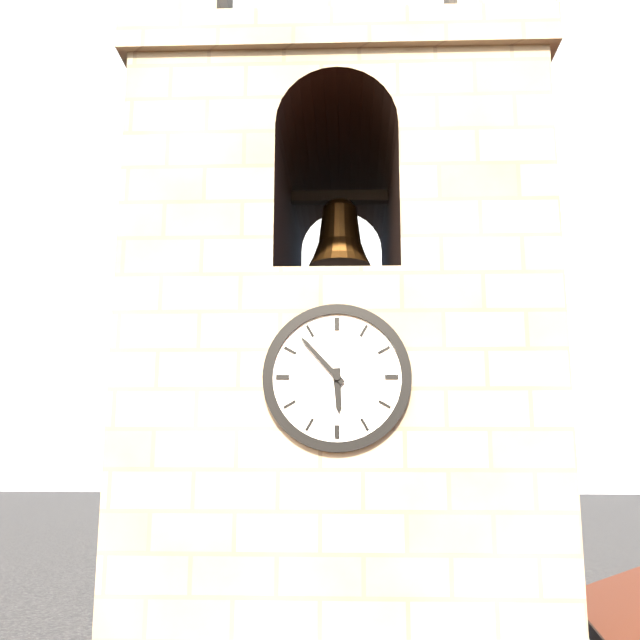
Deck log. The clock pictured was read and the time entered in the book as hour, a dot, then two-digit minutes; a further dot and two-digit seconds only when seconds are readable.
5.53
